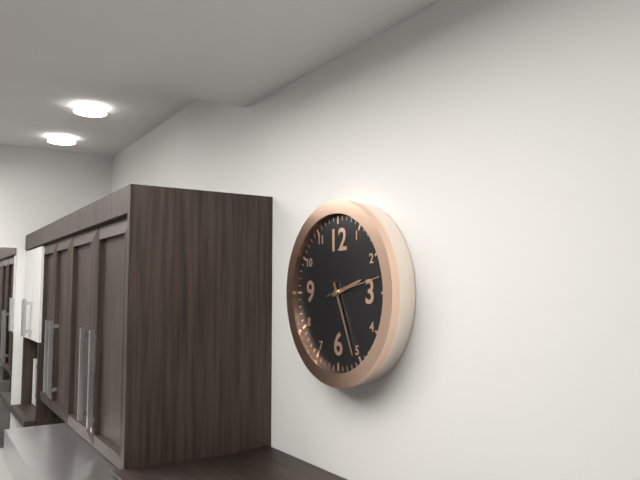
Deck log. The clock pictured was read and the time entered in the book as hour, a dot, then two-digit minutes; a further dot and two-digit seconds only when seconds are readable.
2.26.13
